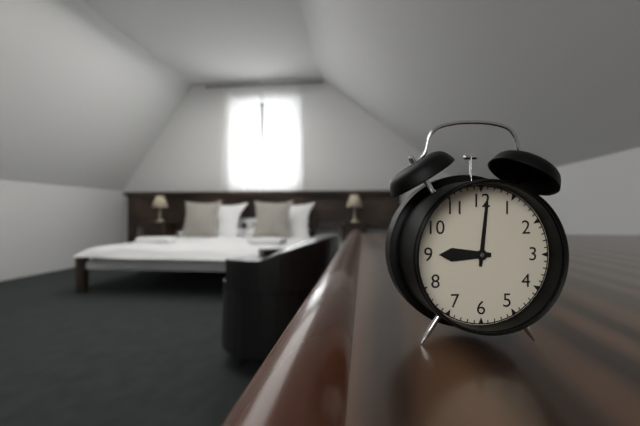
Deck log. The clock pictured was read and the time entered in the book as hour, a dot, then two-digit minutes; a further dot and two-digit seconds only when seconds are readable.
9.01
